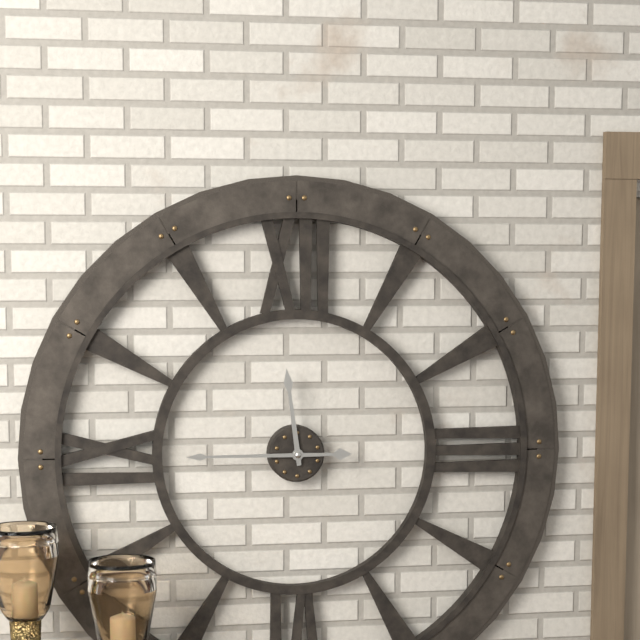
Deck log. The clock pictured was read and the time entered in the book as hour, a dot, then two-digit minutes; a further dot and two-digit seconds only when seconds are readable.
11.45
